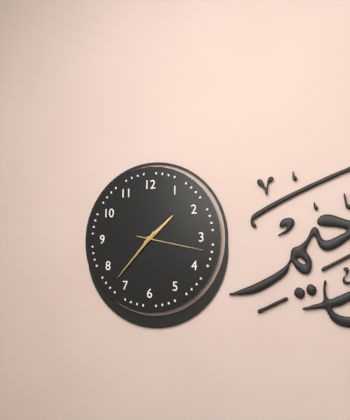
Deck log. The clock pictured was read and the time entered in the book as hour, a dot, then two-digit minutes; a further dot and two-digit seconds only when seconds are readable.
1.37.17
